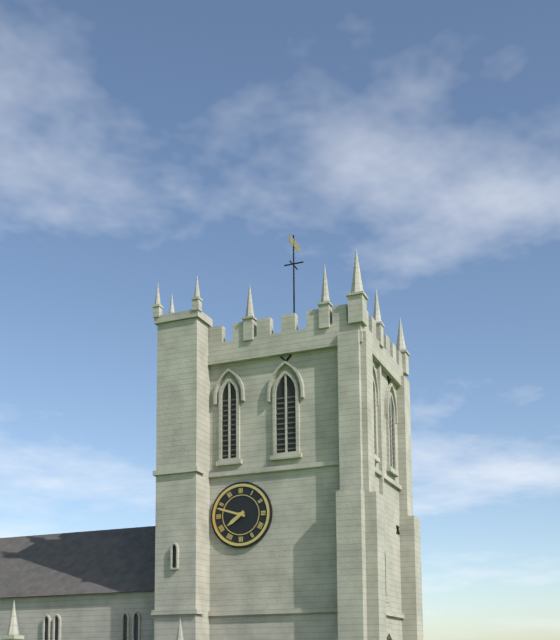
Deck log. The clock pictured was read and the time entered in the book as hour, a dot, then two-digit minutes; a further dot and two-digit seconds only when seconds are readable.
7.48
